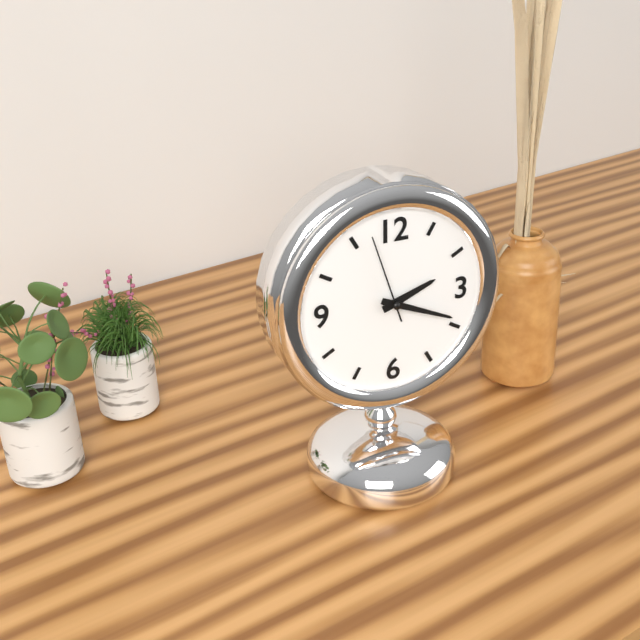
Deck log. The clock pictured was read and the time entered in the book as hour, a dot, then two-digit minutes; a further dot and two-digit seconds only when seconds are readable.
2.19.57
